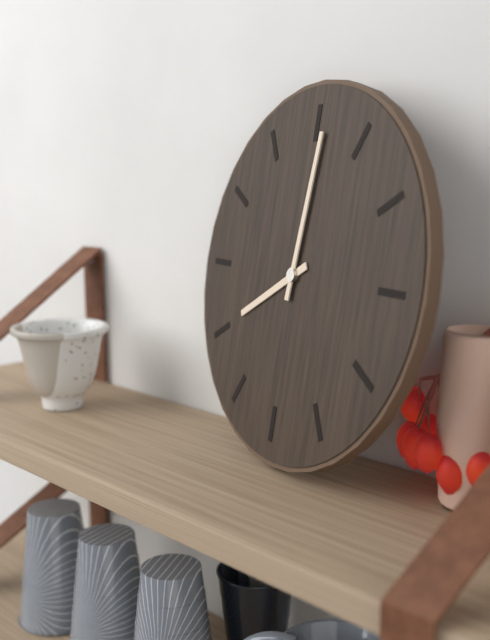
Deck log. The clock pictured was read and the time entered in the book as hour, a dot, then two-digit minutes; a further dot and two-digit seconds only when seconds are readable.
8.01
